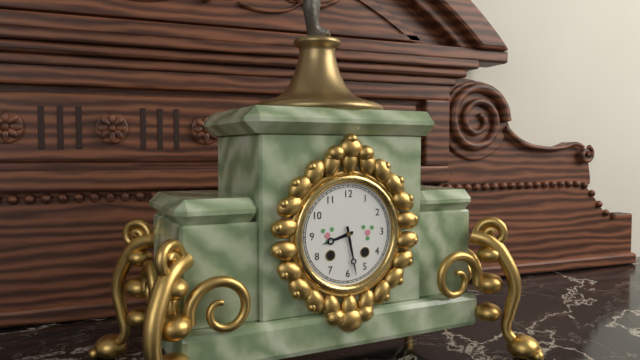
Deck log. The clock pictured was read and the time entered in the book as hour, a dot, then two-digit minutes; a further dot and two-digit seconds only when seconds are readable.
8.28
